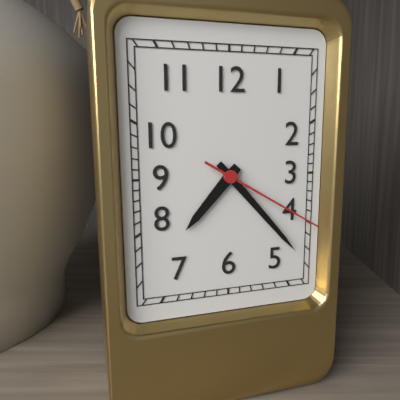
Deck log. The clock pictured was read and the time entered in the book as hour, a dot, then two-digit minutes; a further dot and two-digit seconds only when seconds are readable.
7.23.20
